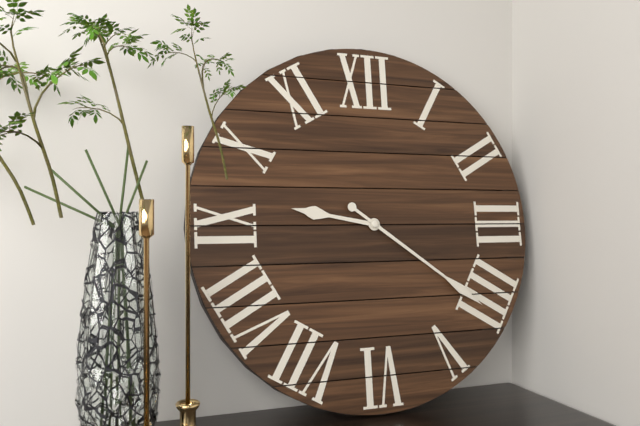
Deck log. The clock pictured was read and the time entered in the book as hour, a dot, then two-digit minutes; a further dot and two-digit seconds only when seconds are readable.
9.21
